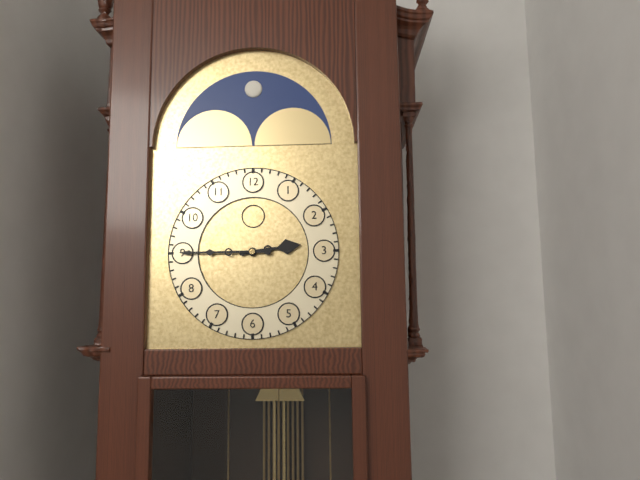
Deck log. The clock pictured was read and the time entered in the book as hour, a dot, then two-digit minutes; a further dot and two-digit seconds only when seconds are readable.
2.45
